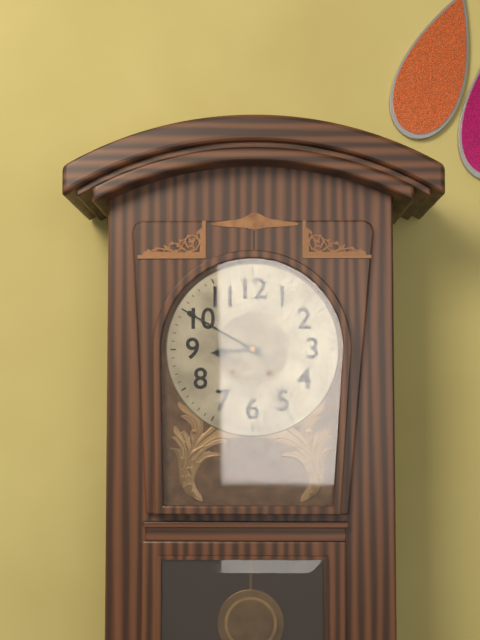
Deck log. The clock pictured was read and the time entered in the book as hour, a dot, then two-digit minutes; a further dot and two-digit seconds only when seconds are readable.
8.50
